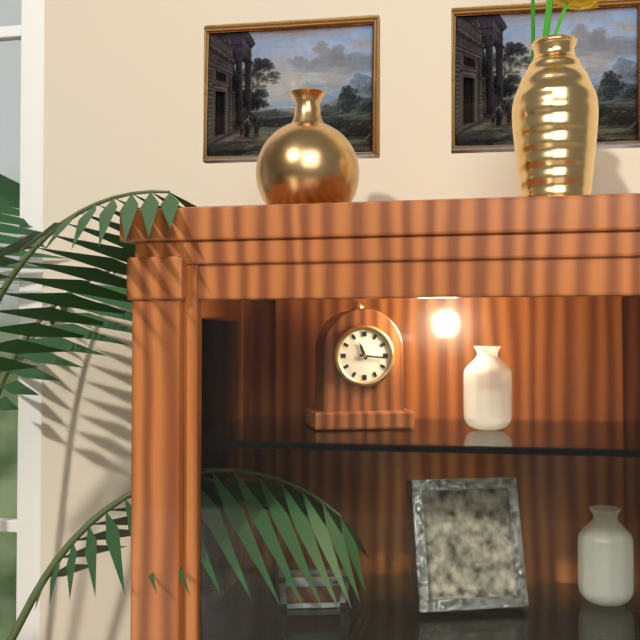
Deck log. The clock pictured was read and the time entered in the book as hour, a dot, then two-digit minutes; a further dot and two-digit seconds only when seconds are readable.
11.16
